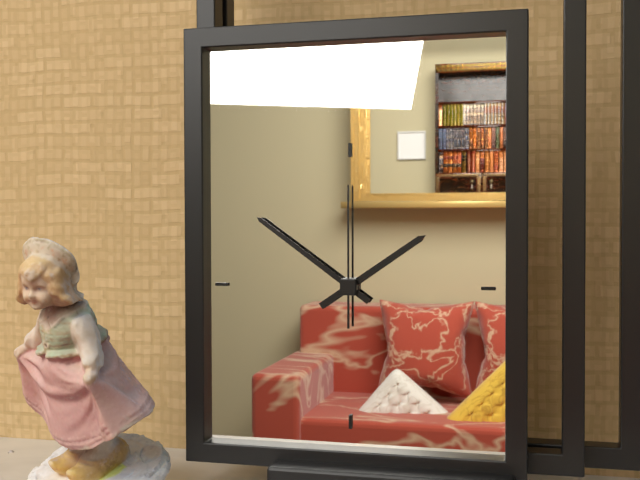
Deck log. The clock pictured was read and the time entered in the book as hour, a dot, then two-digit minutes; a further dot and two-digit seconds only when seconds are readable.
1.51.00
